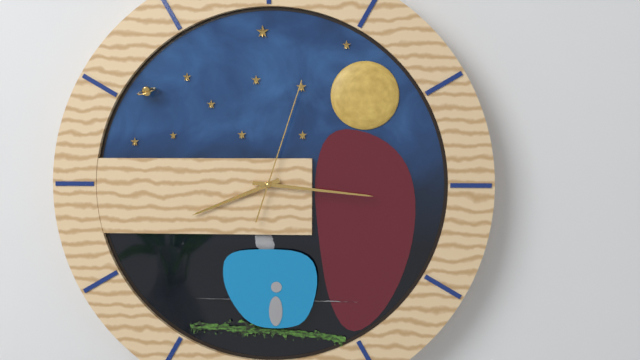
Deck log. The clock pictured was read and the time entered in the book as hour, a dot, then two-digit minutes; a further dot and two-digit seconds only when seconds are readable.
8.16.03
